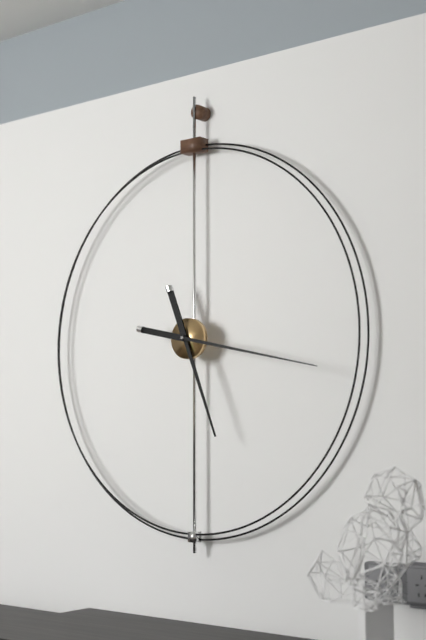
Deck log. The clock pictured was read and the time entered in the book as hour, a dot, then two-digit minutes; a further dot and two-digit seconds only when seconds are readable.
5.17
